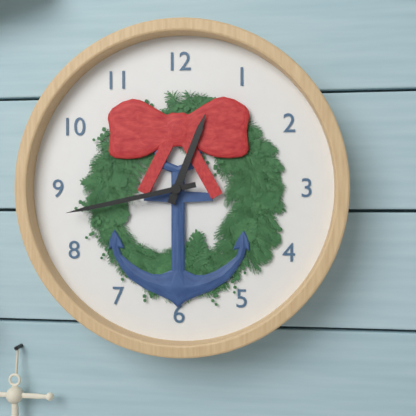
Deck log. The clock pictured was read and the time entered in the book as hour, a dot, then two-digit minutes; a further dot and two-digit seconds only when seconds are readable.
12.43
